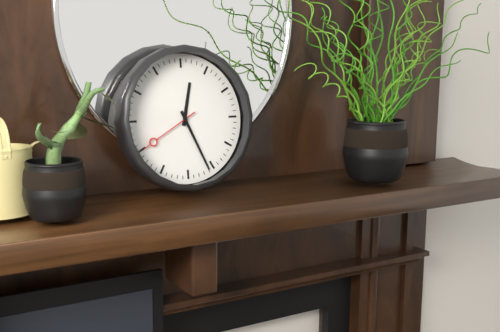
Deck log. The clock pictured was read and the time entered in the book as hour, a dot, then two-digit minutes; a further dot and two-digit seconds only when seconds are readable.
12.26.40
